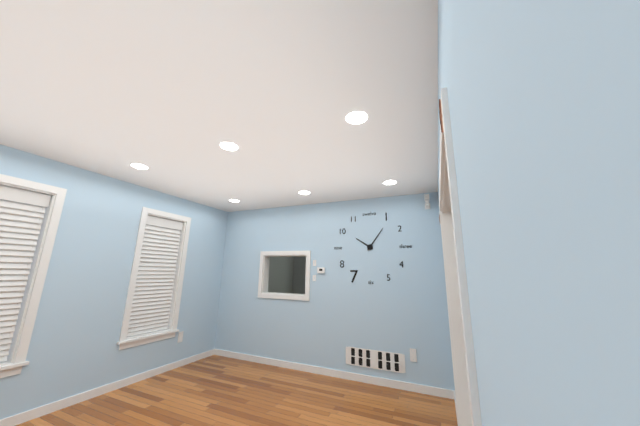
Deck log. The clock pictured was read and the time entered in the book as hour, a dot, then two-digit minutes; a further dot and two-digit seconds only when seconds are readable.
10.06
